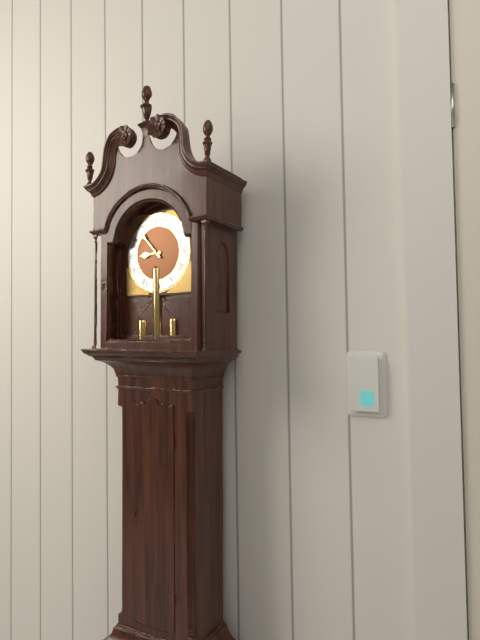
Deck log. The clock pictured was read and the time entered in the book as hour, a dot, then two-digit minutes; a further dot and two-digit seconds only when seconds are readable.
8.53
